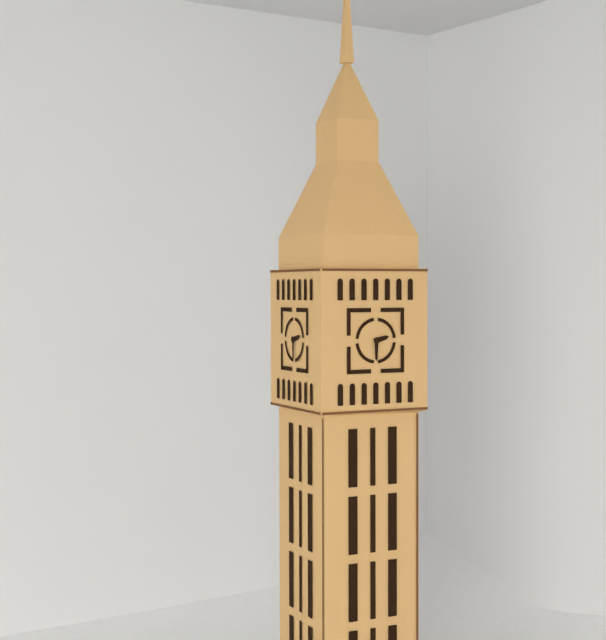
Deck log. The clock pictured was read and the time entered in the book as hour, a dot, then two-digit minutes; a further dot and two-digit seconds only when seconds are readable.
2.30
